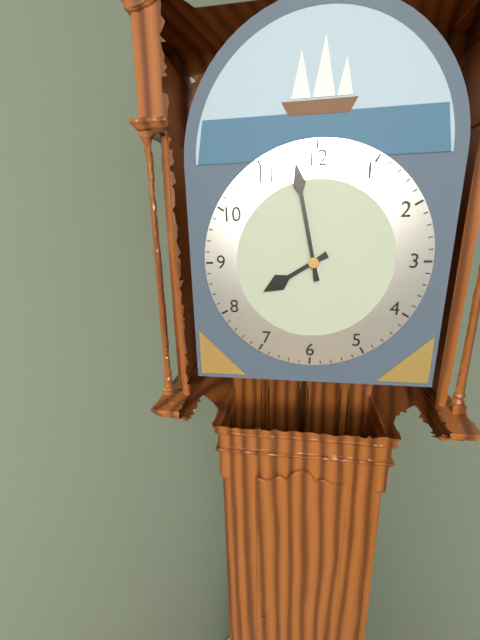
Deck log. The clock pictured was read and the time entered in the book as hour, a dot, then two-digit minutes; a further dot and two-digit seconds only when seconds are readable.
7.58
